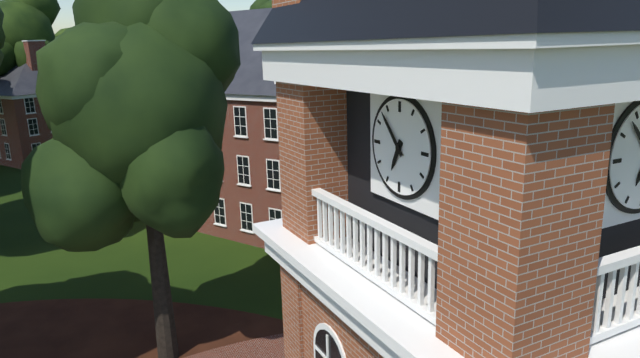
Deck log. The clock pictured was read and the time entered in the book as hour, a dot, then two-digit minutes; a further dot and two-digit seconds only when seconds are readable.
6.53
